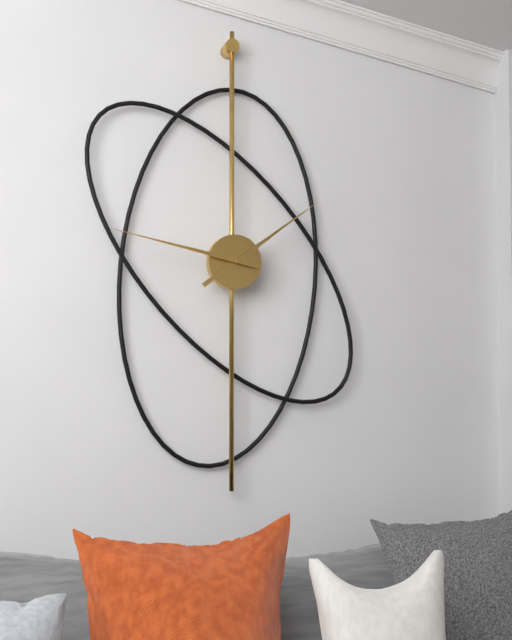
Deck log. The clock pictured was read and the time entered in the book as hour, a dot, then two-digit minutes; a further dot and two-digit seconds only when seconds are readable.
1.47
